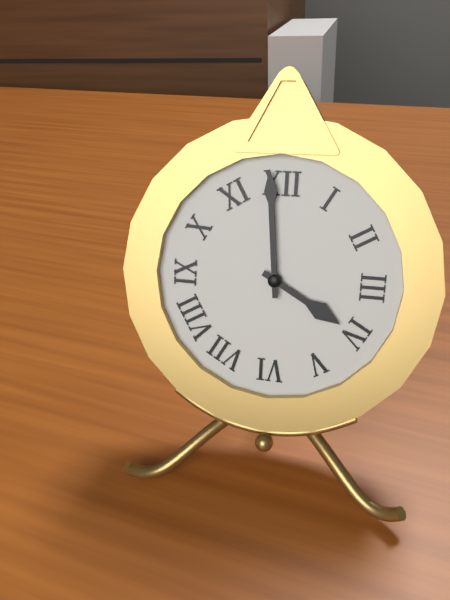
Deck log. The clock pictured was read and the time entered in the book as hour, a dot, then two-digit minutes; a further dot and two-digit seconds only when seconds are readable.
3.59
